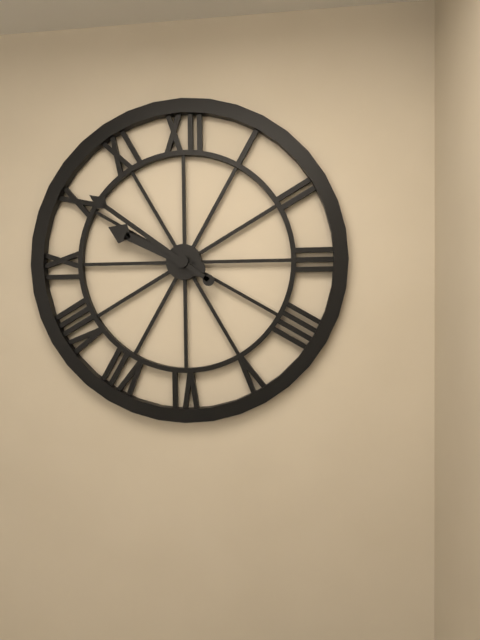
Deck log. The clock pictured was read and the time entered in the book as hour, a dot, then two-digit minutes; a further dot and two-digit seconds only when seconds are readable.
9.51
